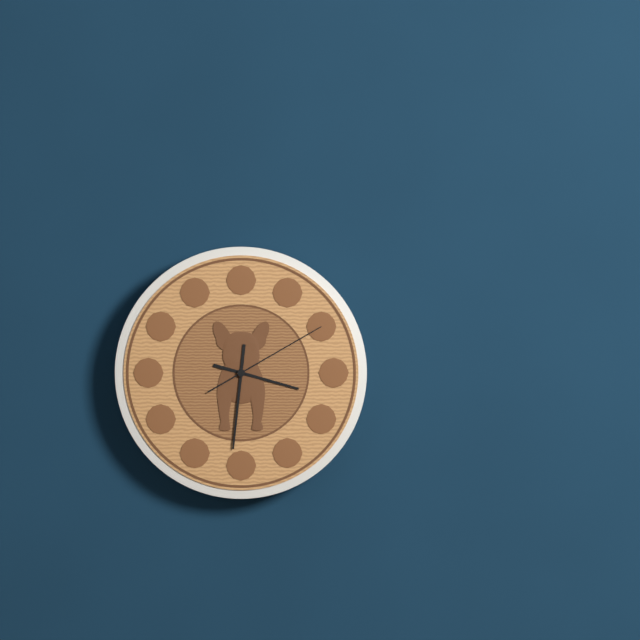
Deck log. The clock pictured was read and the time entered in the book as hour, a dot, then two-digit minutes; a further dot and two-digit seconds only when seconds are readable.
3.31.10
